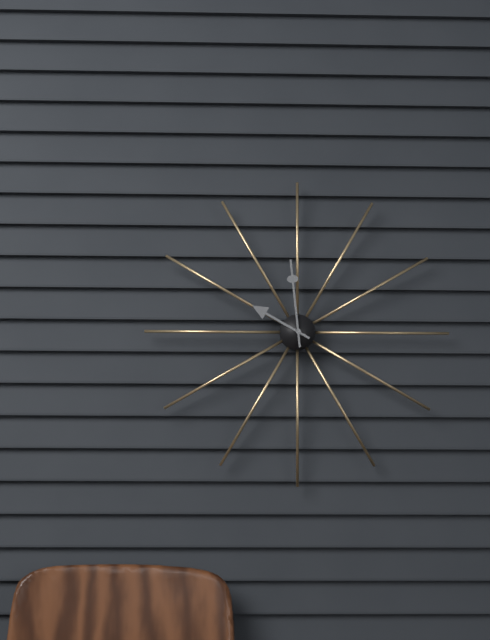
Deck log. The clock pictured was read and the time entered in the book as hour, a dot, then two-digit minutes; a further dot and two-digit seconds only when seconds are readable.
9.59
